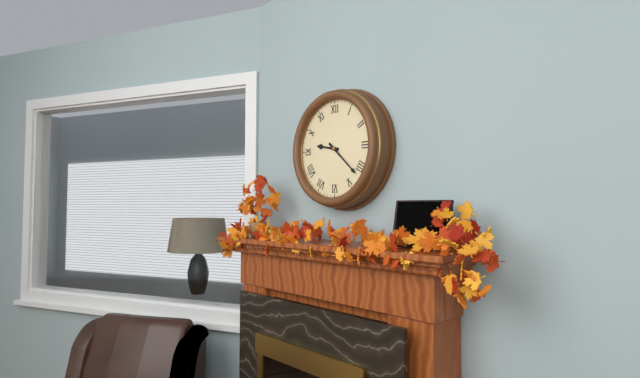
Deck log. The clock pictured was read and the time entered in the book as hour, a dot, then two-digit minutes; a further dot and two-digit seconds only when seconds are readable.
9.22
